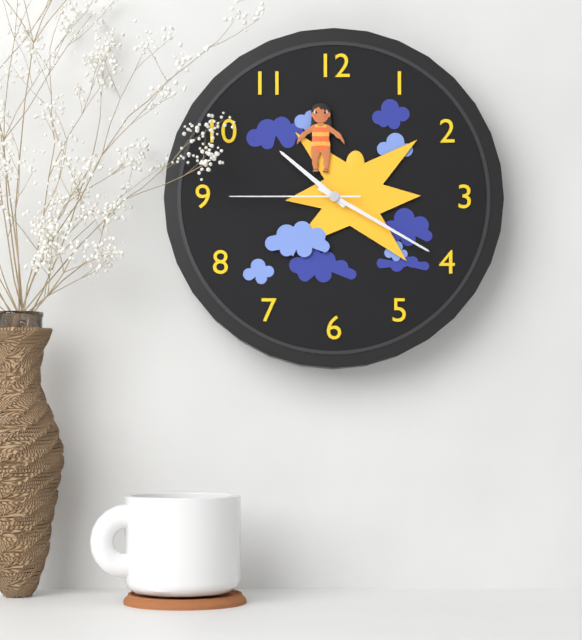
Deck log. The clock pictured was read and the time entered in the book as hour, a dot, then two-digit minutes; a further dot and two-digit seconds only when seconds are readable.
10.20.45
